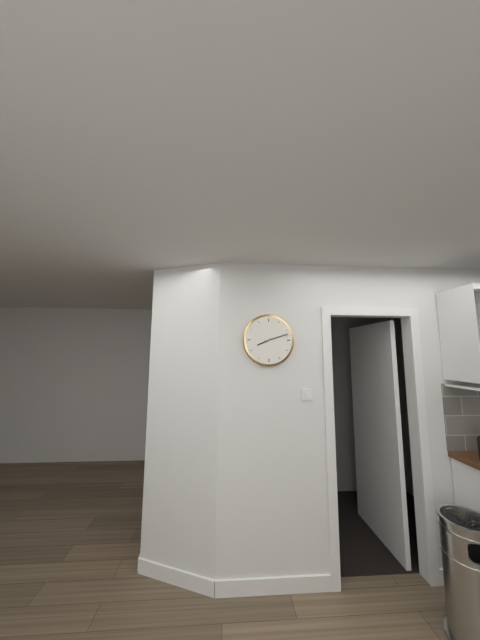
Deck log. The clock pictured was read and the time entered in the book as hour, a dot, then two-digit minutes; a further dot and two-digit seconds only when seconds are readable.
8.12
